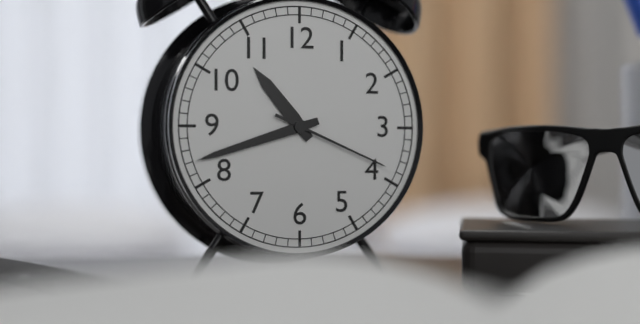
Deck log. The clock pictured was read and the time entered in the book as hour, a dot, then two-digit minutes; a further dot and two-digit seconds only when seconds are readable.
10.42.19
